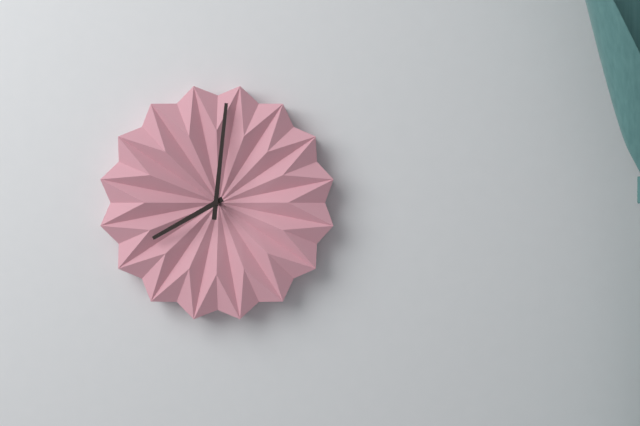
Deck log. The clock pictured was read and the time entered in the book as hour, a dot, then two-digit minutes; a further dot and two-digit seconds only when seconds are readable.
8.01
